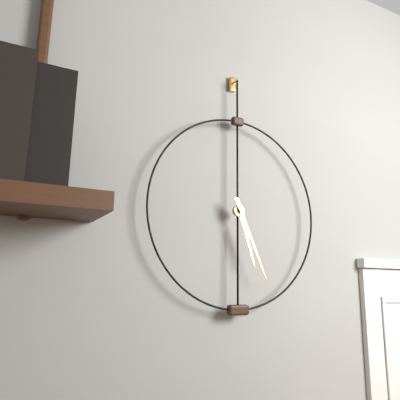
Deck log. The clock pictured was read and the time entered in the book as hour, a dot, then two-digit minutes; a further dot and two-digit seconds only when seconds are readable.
5.26
